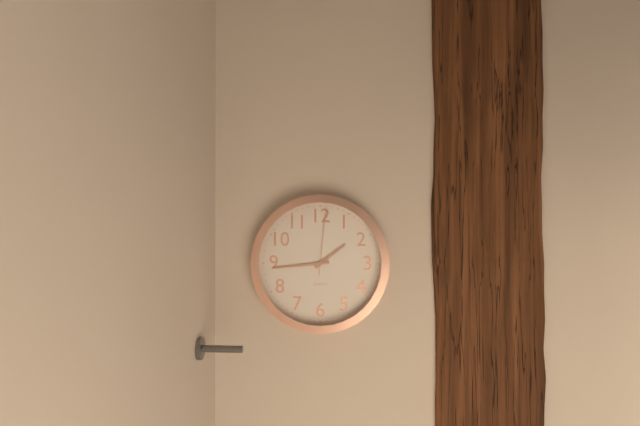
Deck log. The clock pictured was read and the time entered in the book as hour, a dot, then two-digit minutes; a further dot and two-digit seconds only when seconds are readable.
1.44.01
